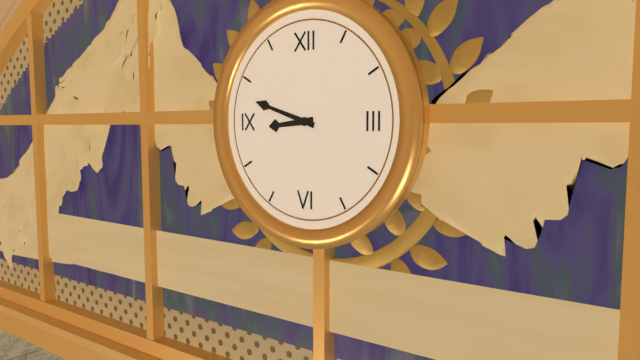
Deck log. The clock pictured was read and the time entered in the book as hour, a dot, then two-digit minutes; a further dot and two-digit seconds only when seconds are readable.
8.48
